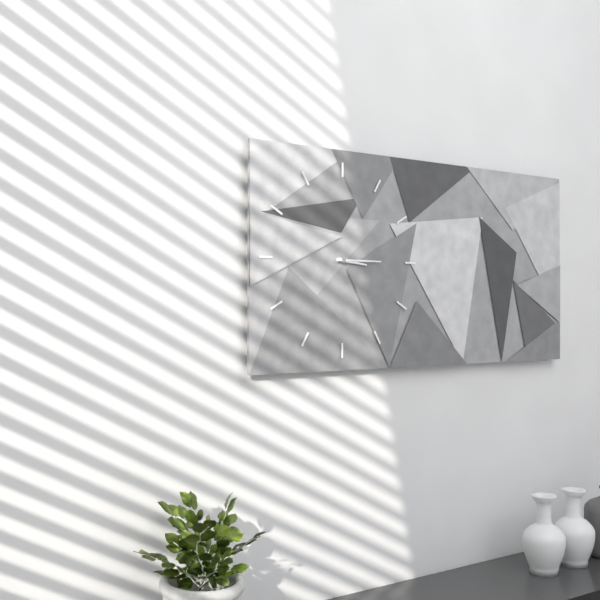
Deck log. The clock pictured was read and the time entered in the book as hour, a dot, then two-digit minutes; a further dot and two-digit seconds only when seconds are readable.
3.15
